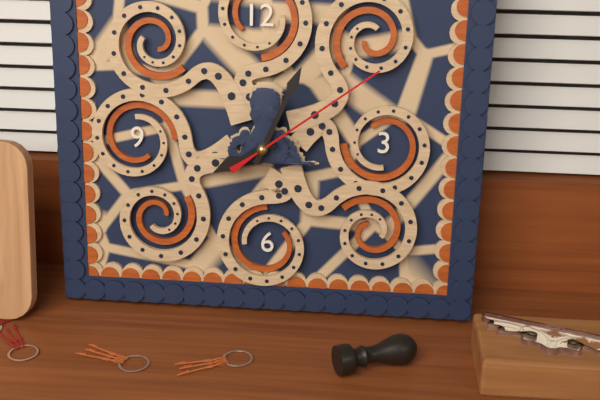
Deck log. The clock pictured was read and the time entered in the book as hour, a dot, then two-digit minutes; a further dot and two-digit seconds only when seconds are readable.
8.04.09
